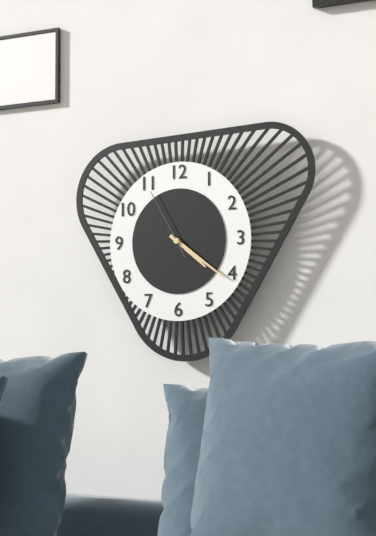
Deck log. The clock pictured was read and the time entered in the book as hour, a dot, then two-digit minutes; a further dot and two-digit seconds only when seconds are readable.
4.21.55
